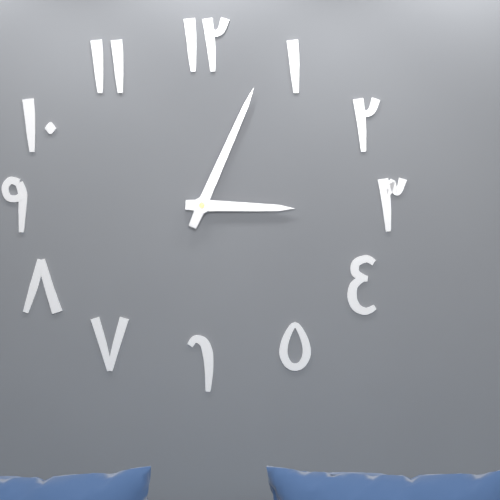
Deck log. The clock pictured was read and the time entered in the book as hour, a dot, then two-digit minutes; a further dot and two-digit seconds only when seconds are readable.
3.04
